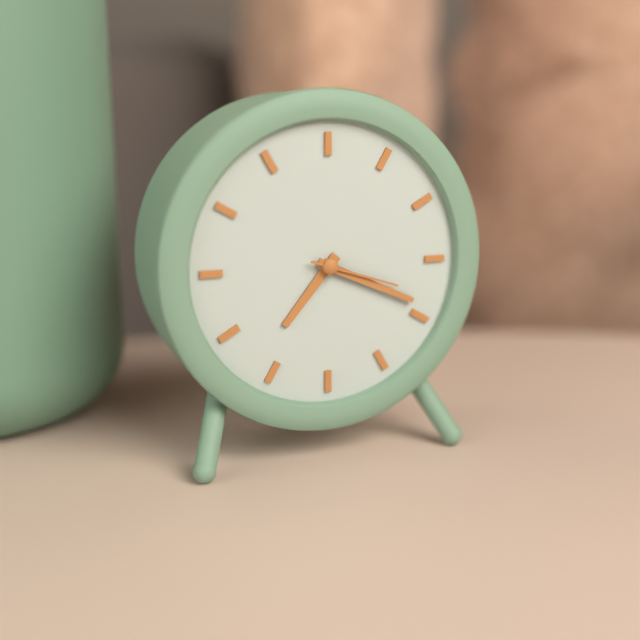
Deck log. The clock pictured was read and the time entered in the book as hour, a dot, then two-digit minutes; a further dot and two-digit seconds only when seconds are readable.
7.19.18
